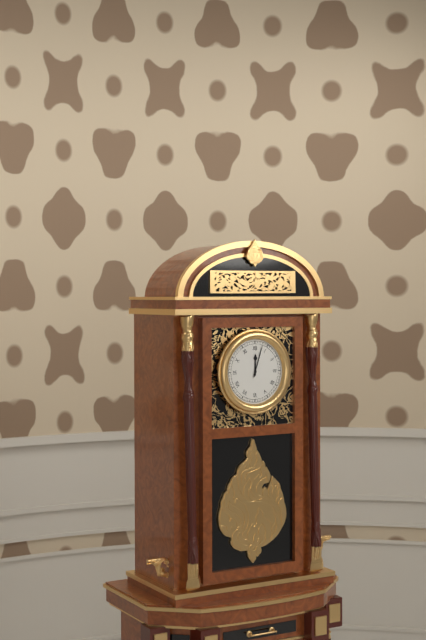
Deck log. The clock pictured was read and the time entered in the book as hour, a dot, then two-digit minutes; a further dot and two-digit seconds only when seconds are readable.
12.03
